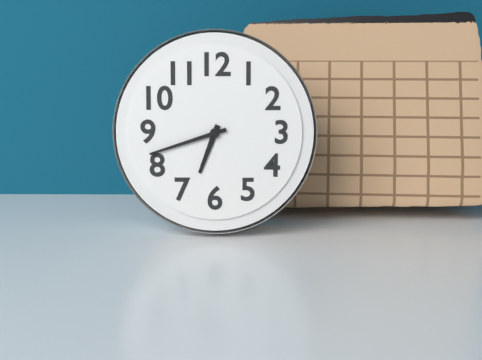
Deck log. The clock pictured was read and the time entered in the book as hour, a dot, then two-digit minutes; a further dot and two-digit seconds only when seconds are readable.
6.42
